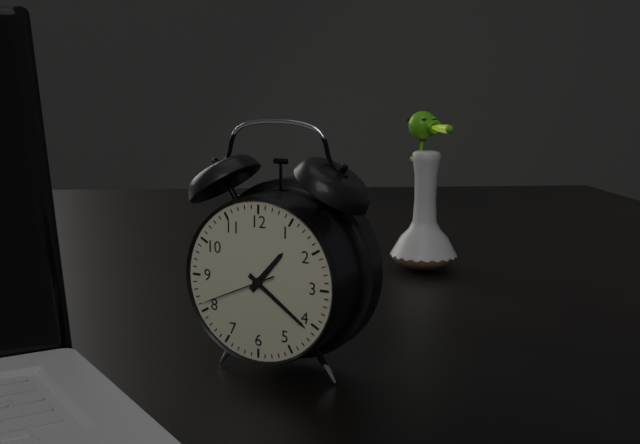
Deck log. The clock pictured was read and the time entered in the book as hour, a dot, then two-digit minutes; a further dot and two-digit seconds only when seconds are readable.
1.21.41
